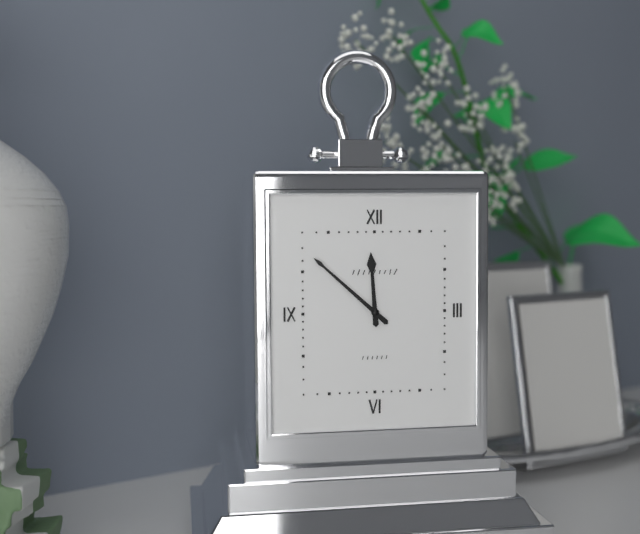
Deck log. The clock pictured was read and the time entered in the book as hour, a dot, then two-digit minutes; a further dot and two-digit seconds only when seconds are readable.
11.52
